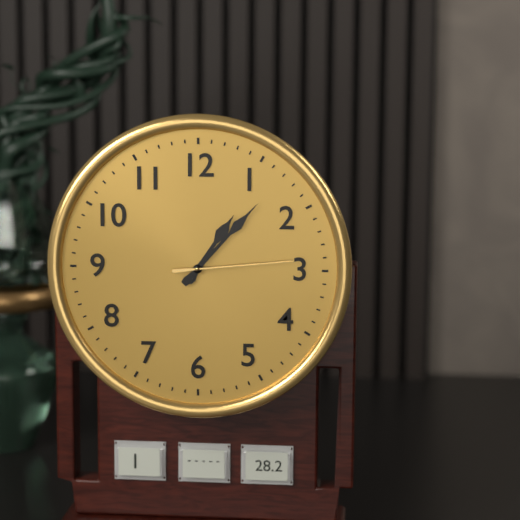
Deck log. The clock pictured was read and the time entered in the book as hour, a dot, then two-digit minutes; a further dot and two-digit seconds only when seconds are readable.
1.07.14
